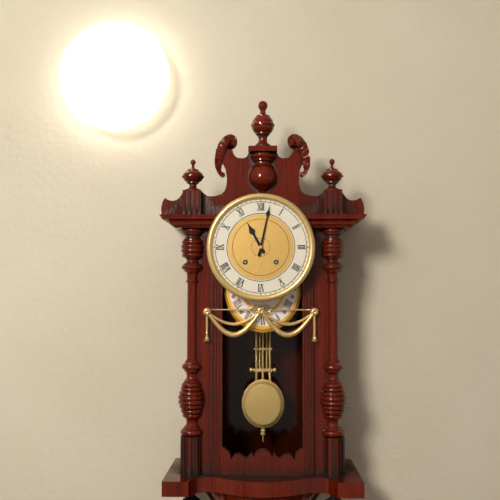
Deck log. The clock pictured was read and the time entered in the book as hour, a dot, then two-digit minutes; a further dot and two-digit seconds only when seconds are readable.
11.02
